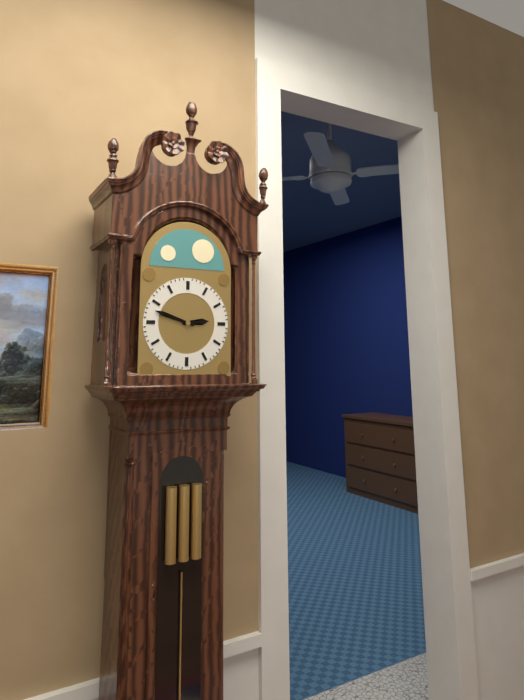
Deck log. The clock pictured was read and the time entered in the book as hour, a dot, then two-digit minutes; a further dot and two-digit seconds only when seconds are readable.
2.48
